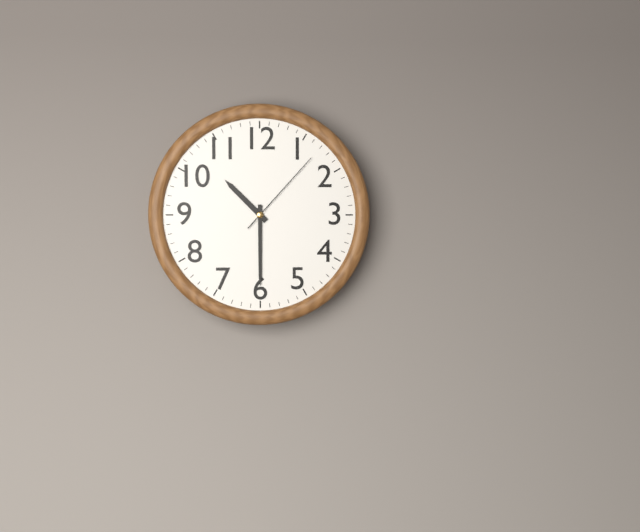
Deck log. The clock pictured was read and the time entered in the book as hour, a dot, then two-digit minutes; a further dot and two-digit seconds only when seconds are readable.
10.30.07
